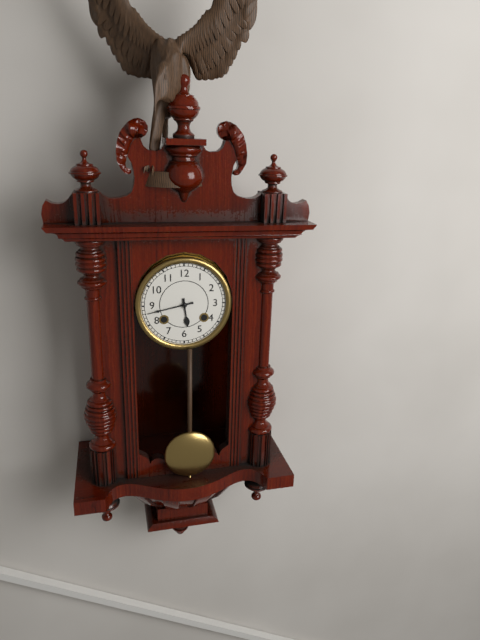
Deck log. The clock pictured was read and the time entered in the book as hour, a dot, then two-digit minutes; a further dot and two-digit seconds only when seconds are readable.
5.43
